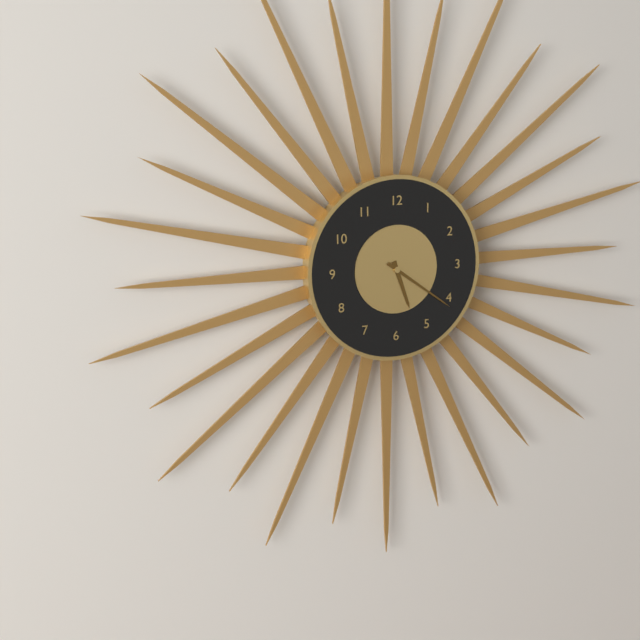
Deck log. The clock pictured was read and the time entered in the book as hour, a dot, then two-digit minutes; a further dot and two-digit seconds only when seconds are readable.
5.21
